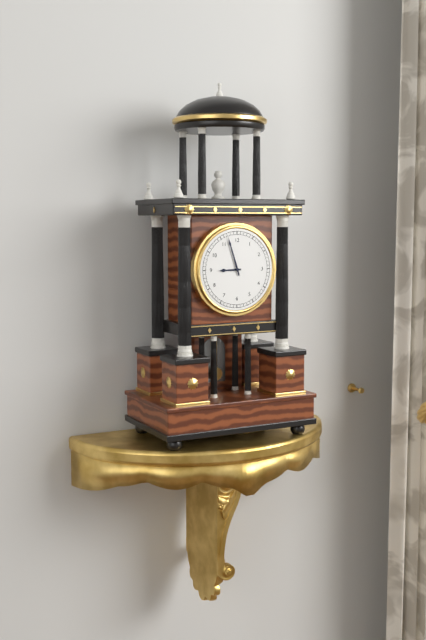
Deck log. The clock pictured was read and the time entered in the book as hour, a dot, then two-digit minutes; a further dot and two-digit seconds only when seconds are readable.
8.57
